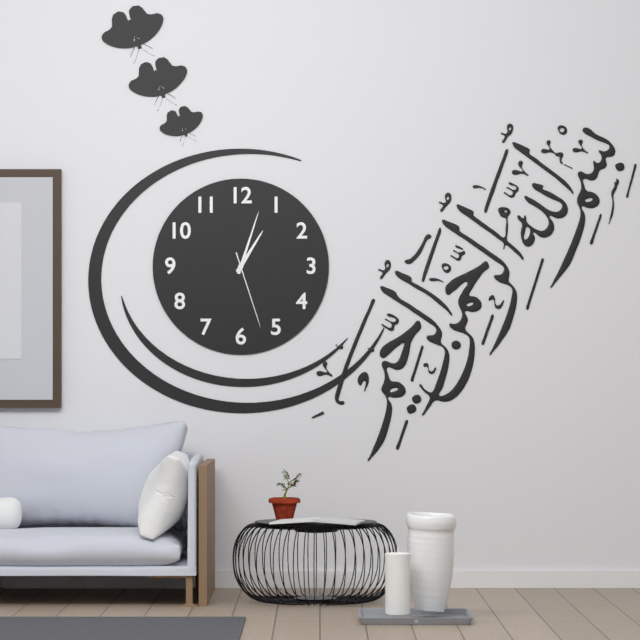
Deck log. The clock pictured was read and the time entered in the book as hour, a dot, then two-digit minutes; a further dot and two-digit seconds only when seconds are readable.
1.03.27
